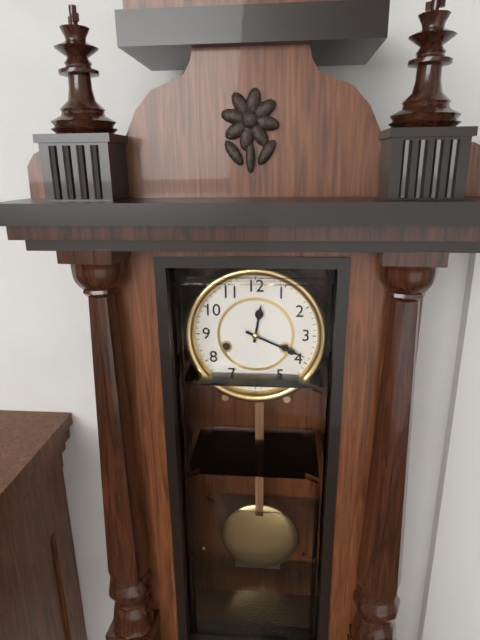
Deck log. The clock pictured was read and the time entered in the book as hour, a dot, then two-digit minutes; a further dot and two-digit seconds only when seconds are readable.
12.19
